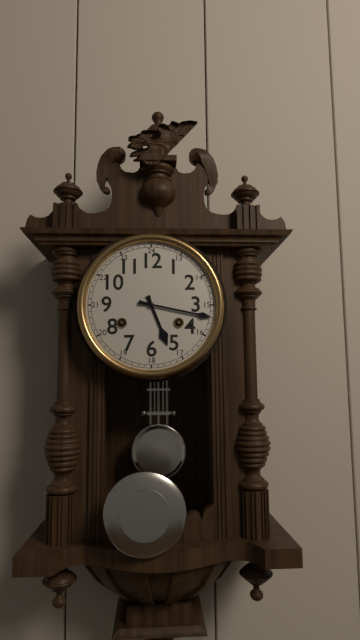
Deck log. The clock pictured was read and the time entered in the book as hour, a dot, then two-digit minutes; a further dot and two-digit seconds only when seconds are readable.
5.17
